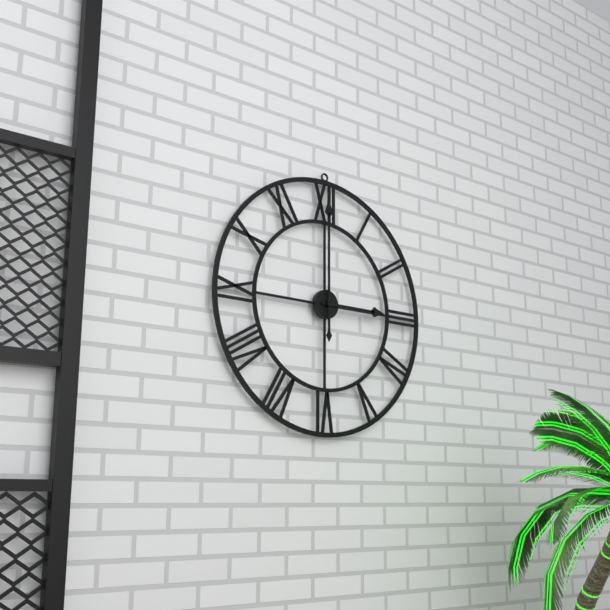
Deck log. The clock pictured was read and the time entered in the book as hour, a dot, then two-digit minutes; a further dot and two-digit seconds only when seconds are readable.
3.00
